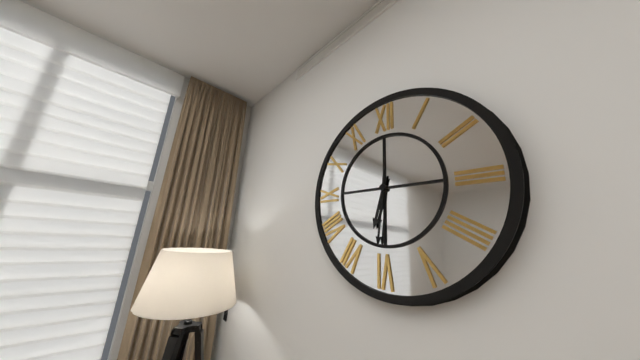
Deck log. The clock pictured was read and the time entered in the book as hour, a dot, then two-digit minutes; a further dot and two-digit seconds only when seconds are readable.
6.31
